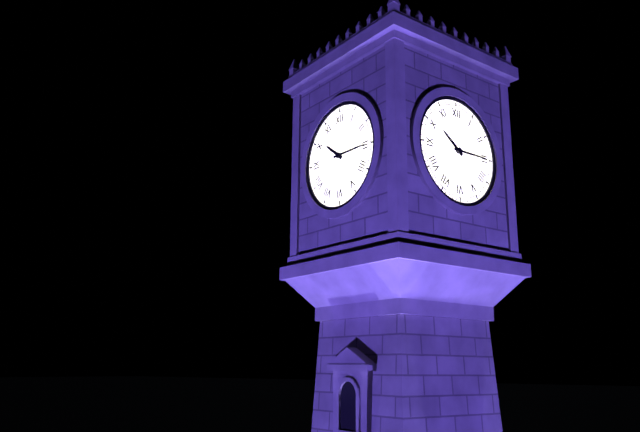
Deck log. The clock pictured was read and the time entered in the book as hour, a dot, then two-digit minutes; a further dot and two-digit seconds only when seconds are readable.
10.15
